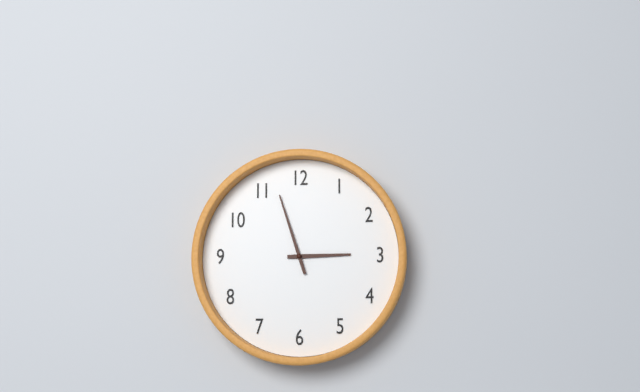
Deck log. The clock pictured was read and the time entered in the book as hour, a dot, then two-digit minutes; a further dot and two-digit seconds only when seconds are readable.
2.57
